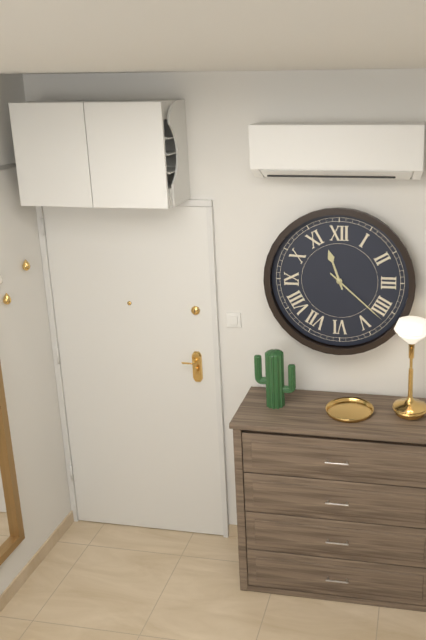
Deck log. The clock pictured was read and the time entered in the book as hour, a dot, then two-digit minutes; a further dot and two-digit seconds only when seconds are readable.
11.22
